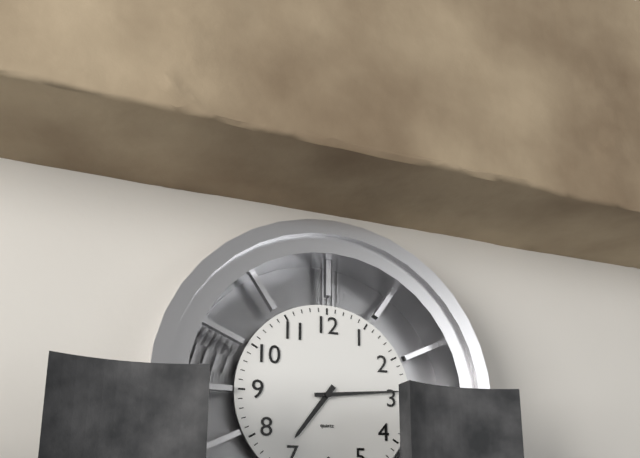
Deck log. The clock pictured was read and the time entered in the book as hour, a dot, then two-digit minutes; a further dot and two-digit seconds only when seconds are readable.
7.14
